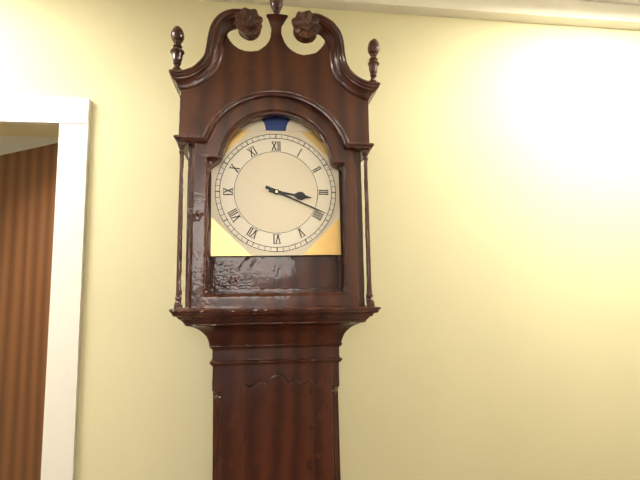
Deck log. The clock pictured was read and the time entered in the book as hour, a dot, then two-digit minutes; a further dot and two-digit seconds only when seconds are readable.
3.19
